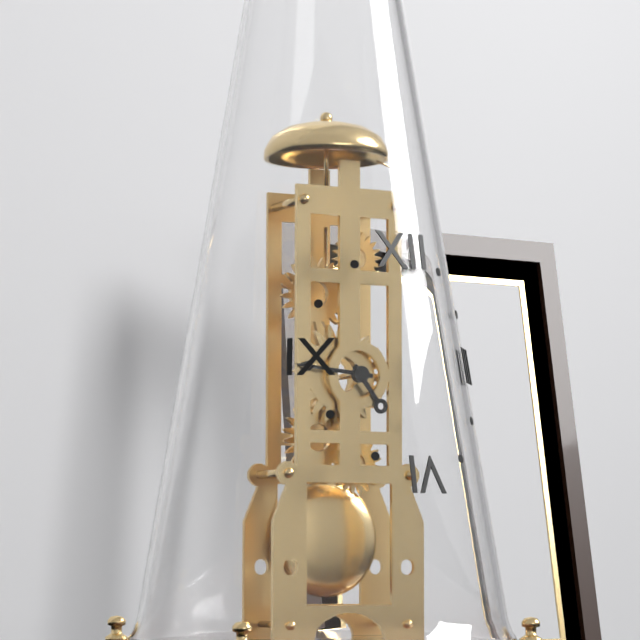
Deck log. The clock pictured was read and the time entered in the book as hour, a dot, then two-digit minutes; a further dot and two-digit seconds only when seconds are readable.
4.46
